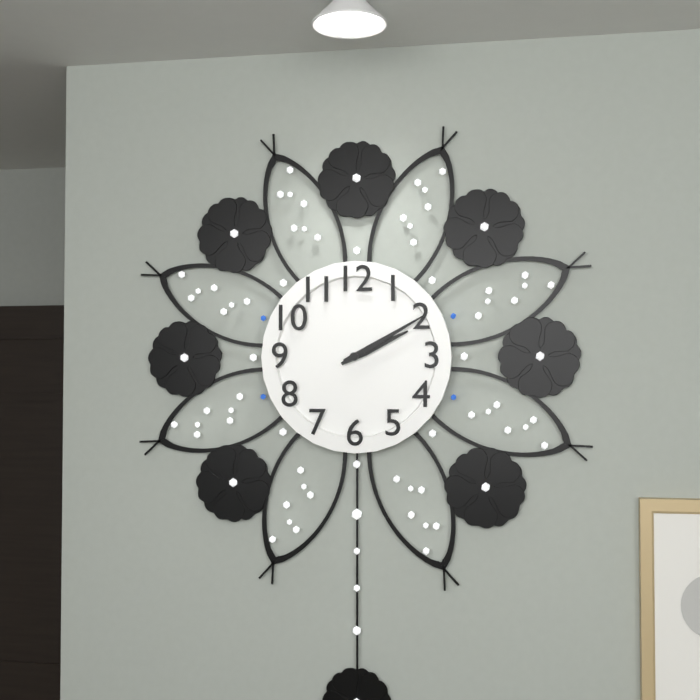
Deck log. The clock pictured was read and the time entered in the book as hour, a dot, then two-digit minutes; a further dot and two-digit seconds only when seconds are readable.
2.10
